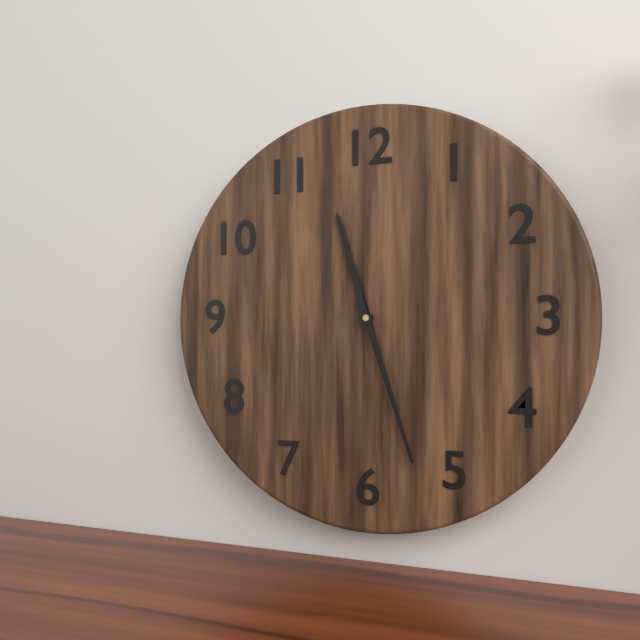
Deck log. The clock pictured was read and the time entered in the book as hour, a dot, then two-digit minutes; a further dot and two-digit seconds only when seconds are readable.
11.27
